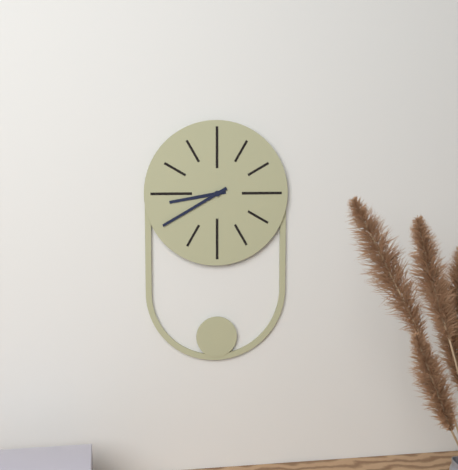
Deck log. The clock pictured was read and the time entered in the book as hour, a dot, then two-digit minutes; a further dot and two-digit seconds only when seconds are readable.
8.40
